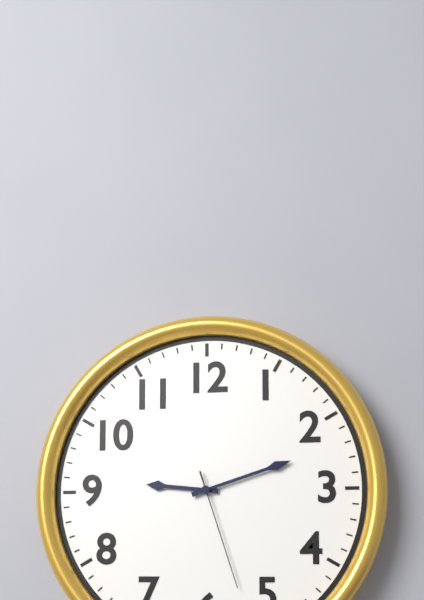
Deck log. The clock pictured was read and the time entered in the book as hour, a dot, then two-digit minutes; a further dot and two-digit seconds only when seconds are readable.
9.12.27
